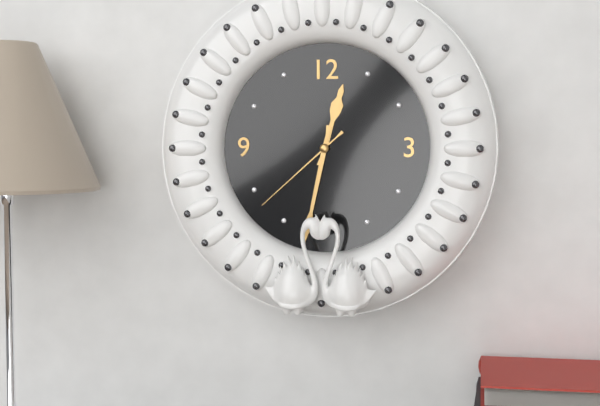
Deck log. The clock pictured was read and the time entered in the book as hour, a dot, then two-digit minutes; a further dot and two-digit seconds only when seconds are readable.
12.32.38
